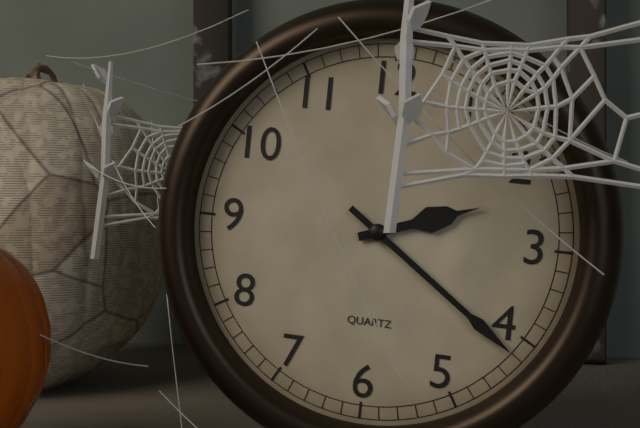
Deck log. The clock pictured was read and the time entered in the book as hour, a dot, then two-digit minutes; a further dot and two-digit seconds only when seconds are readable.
2.21
